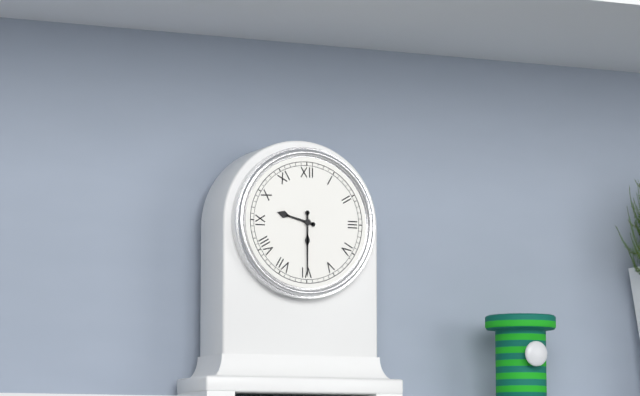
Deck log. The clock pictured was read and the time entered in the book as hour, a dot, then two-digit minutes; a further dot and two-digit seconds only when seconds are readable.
9.30
